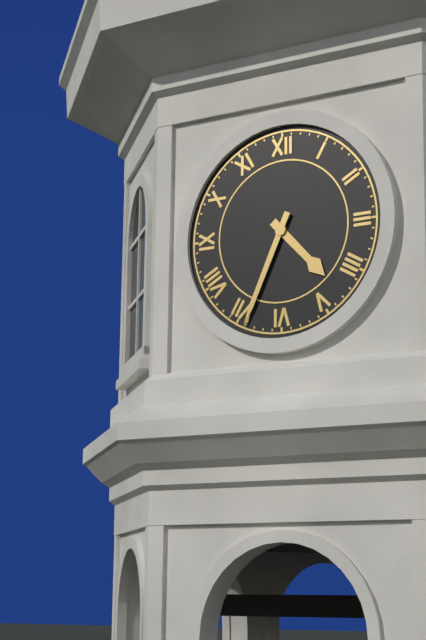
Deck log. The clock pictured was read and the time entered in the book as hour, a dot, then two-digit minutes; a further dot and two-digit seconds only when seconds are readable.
4.34
